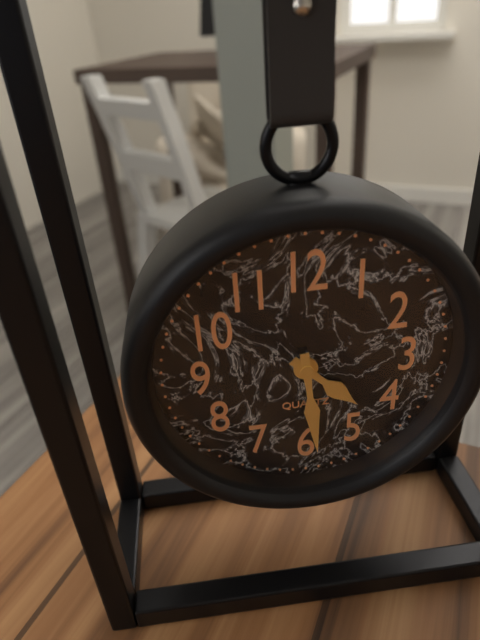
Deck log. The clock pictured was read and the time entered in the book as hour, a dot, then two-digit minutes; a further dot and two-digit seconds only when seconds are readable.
4.29
